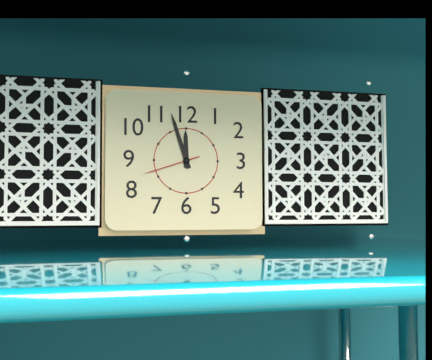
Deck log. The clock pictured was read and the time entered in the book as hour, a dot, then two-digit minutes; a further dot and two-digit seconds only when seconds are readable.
11.57.42
